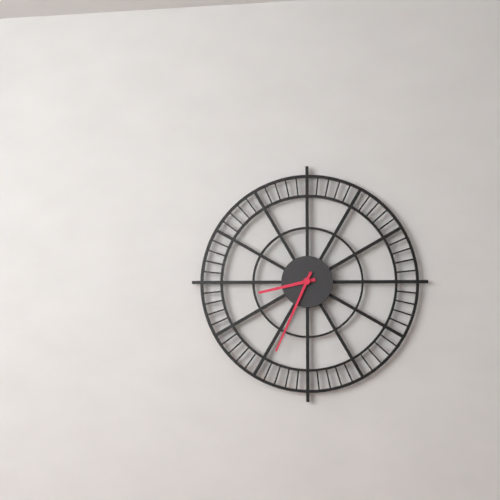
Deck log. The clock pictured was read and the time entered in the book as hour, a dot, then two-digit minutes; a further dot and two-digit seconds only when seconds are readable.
8.34
